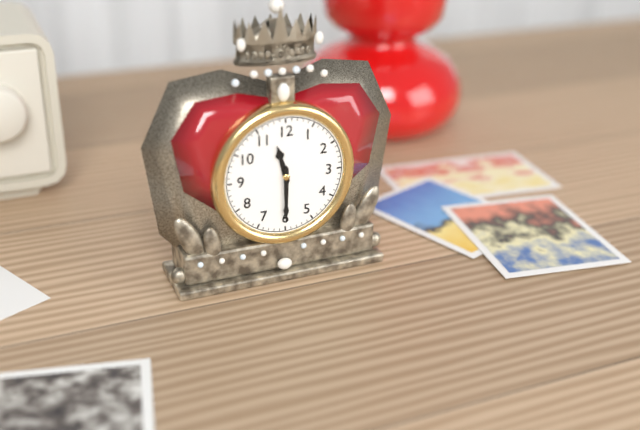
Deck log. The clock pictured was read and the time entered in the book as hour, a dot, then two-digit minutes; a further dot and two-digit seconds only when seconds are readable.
11.30
